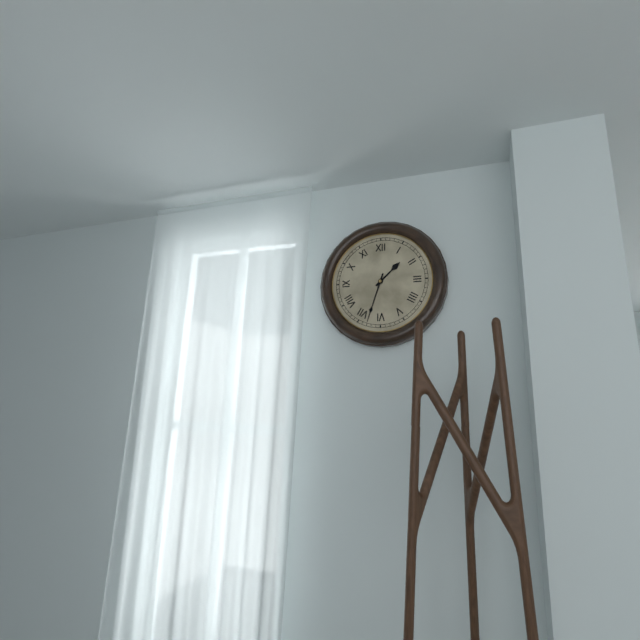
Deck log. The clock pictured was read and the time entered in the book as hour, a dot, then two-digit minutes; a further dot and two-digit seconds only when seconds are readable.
1.33
